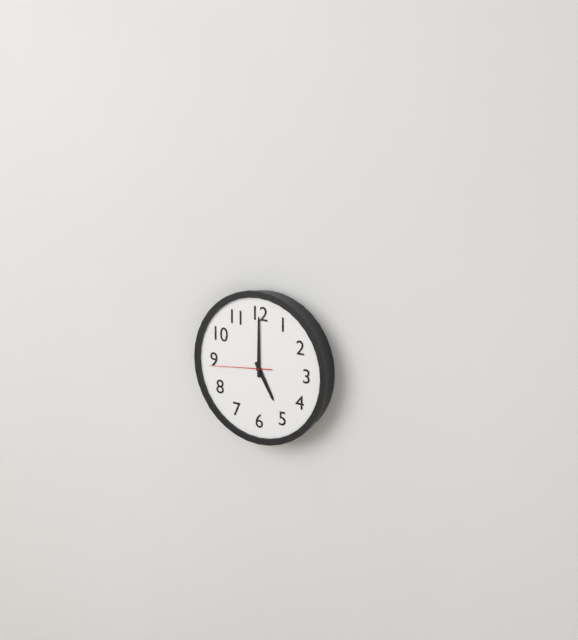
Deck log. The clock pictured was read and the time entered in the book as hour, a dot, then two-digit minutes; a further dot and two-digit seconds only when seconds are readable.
5.00.44
